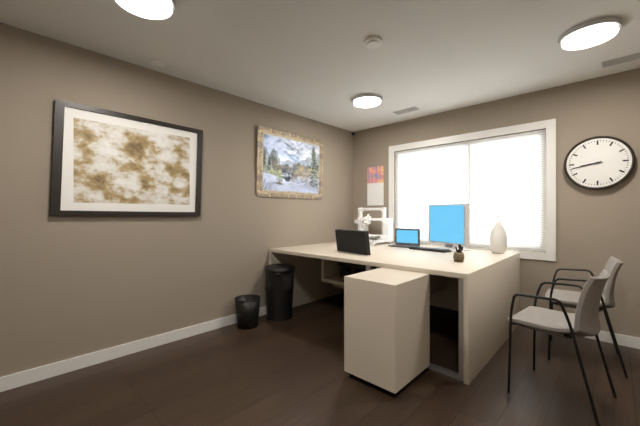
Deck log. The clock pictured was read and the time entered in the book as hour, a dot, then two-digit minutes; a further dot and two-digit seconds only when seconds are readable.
8.43
